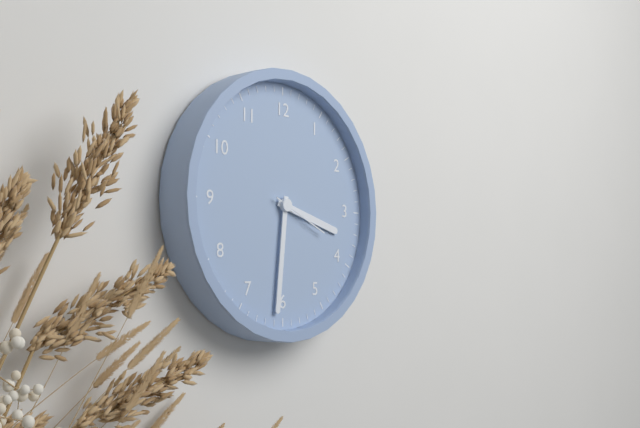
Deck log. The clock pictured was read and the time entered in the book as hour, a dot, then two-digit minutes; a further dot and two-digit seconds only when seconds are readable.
3.31.19
